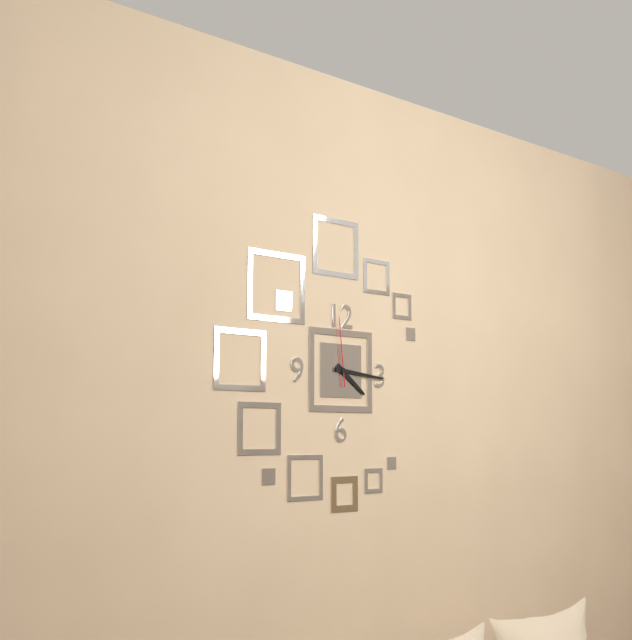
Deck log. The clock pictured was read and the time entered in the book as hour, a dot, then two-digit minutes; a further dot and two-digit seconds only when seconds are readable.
4.16.59
